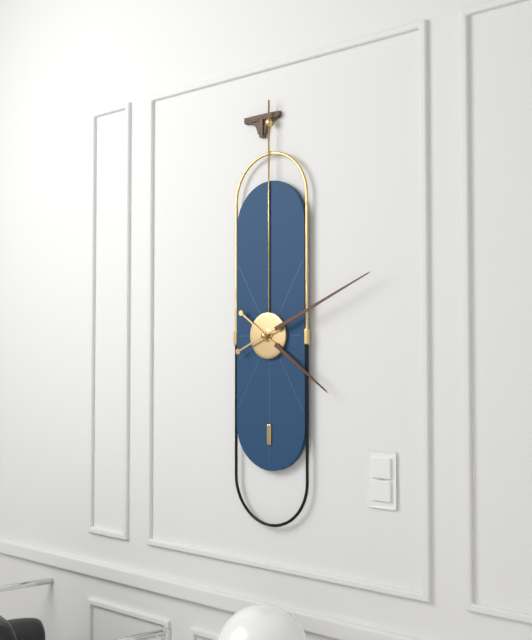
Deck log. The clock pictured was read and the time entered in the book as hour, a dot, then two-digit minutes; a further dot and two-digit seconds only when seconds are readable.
4.11
